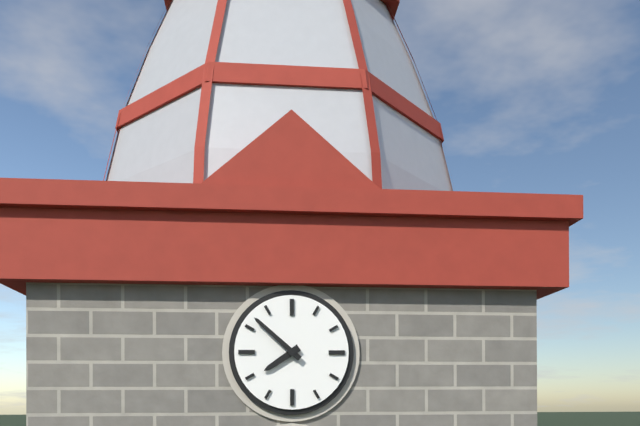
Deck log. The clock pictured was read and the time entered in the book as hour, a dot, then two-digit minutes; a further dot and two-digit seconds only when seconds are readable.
7.52
